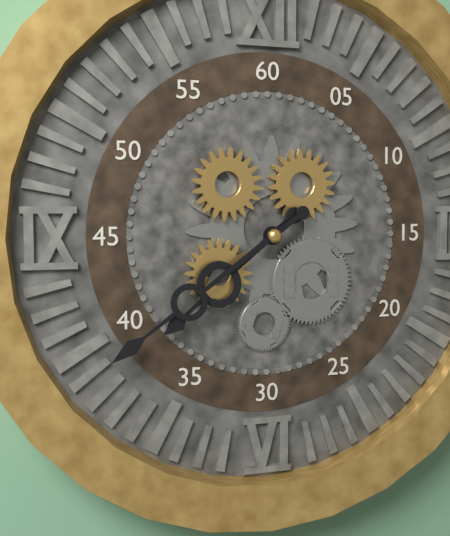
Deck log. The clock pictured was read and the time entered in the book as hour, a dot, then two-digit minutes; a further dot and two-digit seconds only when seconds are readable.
7.39
